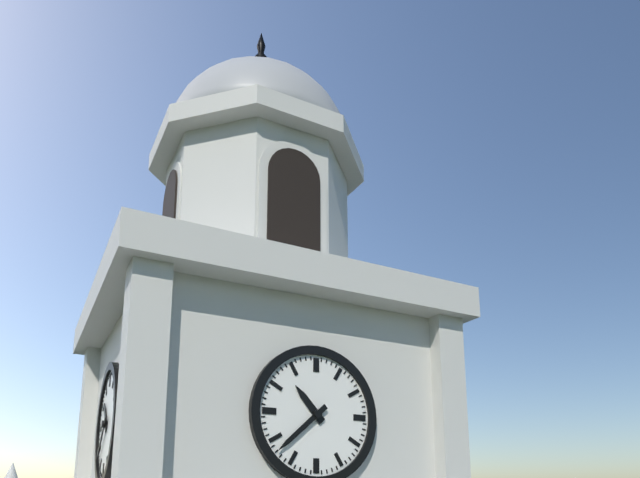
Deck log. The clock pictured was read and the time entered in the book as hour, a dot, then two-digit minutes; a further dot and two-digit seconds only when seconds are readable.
10.38
